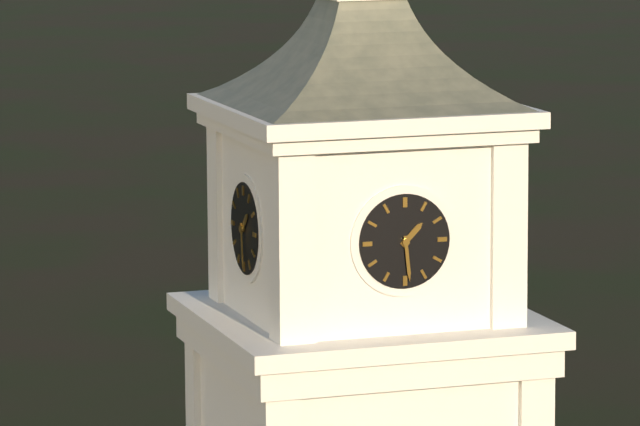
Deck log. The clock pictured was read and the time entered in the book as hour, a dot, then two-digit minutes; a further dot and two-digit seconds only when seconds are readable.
1.29
